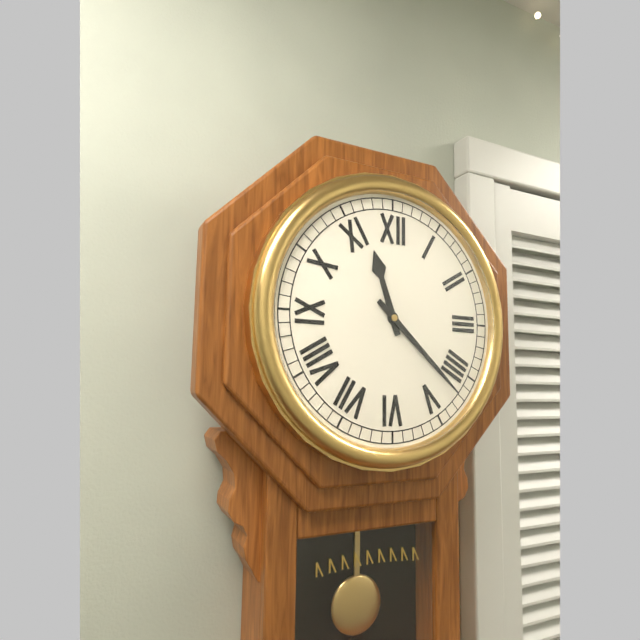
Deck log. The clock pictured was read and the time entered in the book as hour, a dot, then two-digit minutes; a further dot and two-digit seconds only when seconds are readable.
11.22
